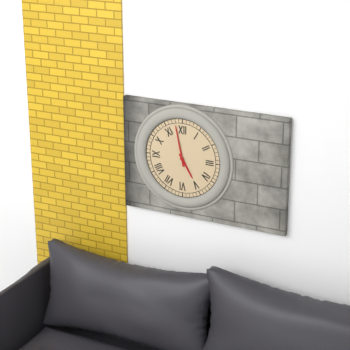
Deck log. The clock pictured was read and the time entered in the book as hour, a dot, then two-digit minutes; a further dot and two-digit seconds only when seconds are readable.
4.58
